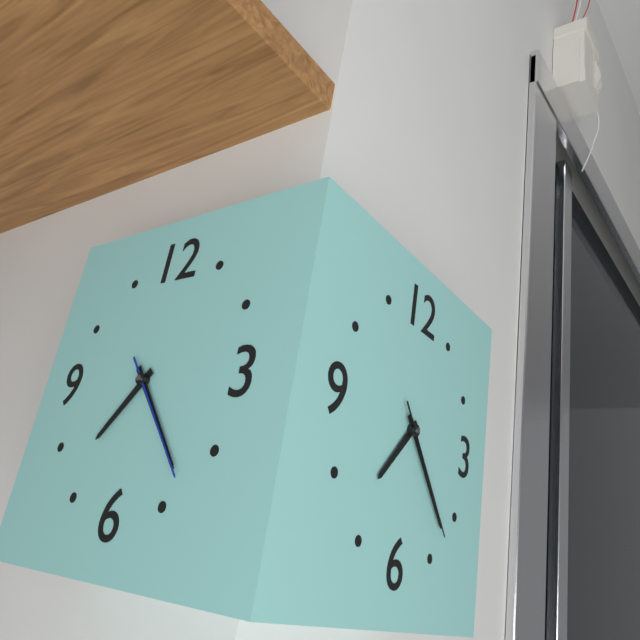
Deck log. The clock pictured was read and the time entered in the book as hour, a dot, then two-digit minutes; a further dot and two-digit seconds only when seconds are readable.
7.23.23
